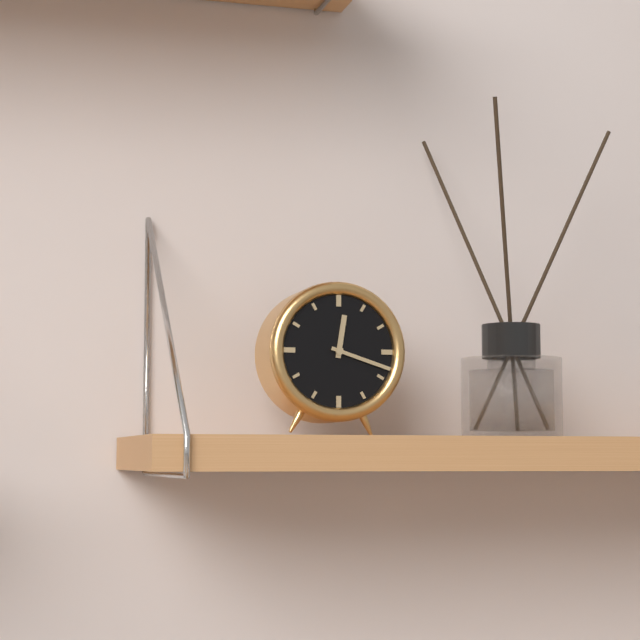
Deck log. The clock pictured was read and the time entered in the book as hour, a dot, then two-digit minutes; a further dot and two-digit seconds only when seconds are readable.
12.18
